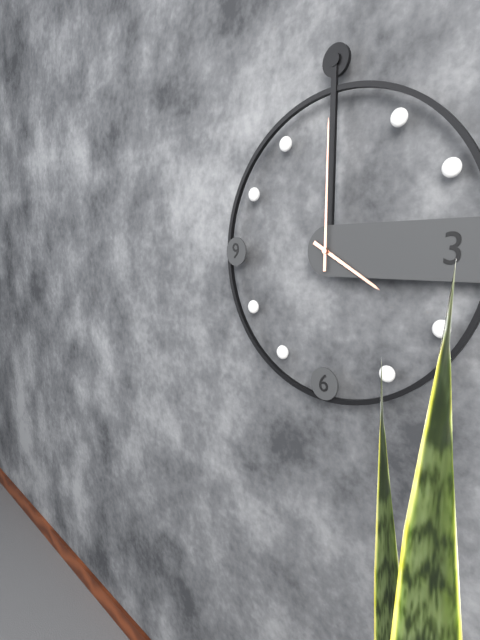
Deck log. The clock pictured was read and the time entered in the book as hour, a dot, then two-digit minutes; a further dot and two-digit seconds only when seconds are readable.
4.00
